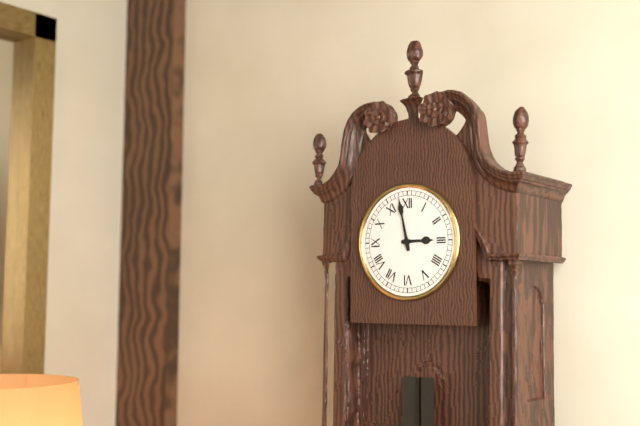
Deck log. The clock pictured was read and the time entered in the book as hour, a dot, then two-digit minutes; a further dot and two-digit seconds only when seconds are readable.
2.58
